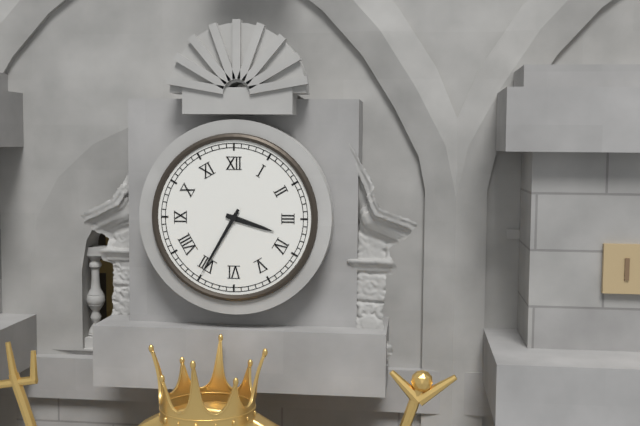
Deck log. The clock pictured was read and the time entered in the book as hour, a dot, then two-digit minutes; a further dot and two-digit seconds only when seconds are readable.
3.35
